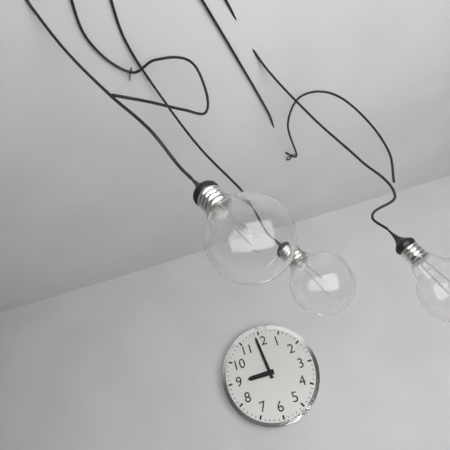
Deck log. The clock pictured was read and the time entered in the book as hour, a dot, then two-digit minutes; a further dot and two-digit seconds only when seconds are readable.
8.59
